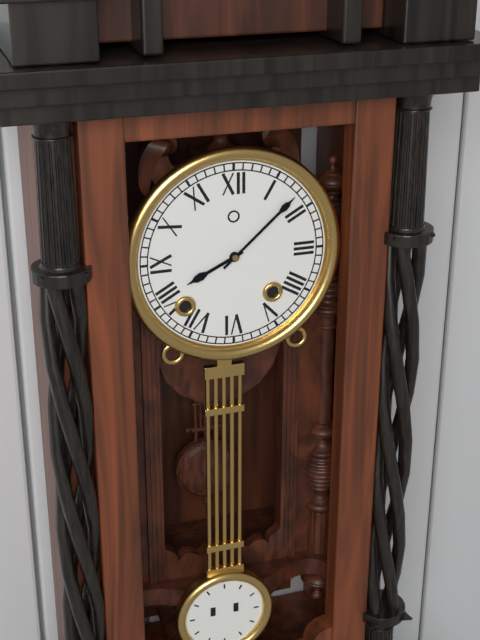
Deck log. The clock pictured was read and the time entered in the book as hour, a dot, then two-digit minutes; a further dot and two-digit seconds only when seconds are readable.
8.08
